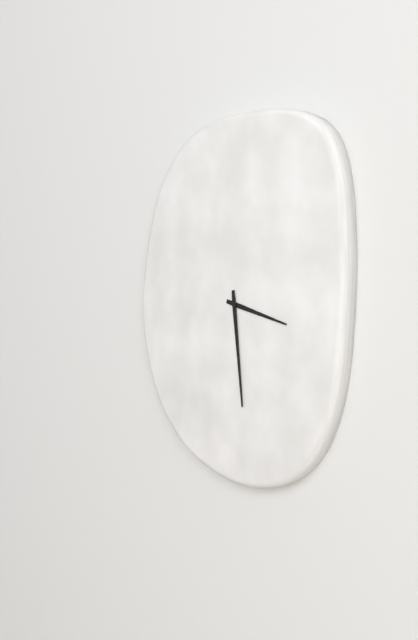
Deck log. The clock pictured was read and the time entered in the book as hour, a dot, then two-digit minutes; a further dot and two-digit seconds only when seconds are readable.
3.29
